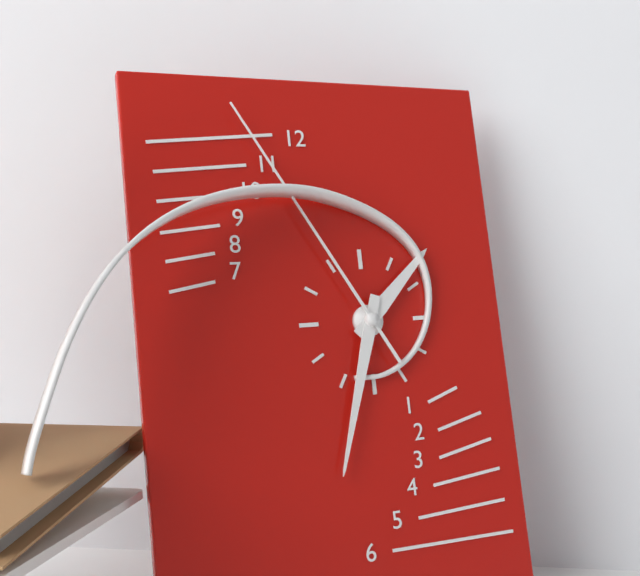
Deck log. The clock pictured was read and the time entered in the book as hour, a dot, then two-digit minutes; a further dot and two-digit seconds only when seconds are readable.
1.33.55
